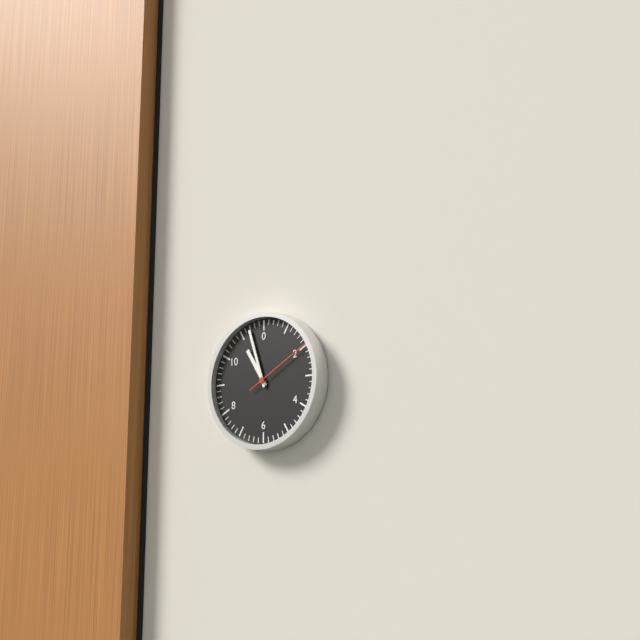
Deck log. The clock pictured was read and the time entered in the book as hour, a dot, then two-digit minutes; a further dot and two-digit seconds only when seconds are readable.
10.57.10
